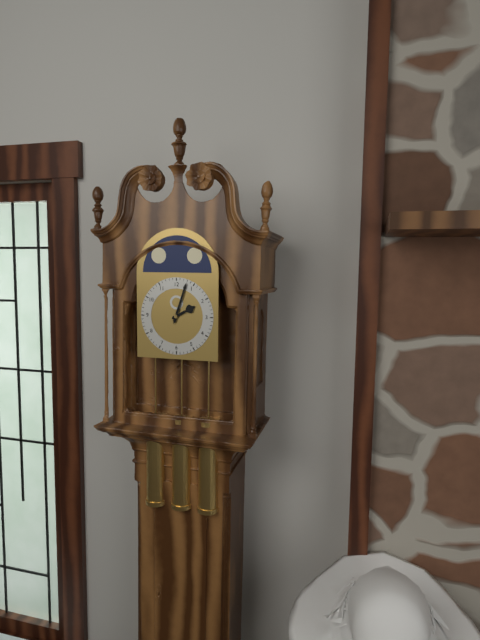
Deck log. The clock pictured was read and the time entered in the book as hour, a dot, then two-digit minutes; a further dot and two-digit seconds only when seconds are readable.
2.03
